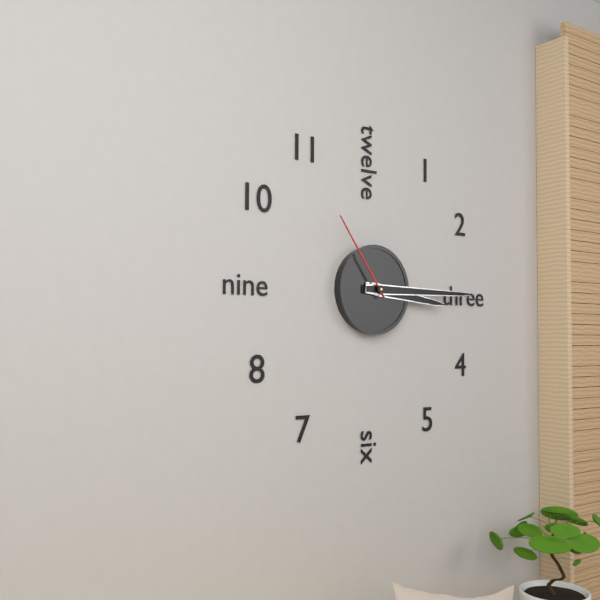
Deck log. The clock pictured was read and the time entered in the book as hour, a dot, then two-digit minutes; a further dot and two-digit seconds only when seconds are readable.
3.15.54
